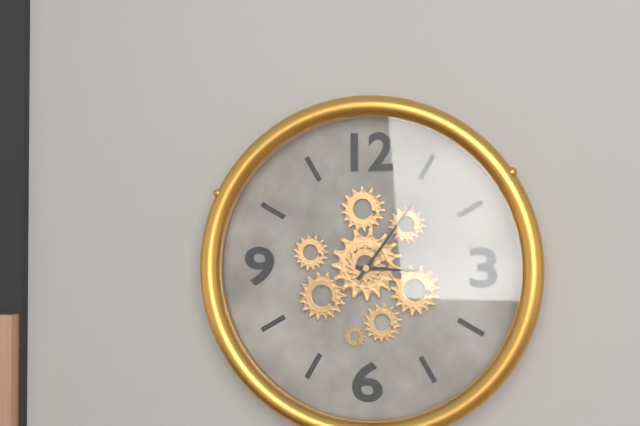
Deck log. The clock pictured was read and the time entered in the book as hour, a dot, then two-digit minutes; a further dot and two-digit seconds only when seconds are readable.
3.06
